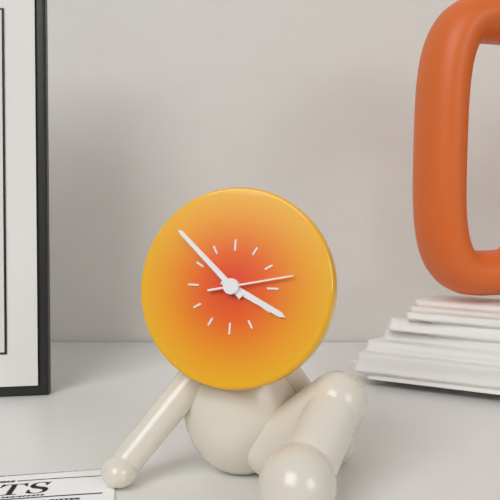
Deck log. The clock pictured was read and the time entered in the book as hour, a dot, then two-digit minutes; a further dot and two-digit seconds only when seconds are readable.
3.52.13
